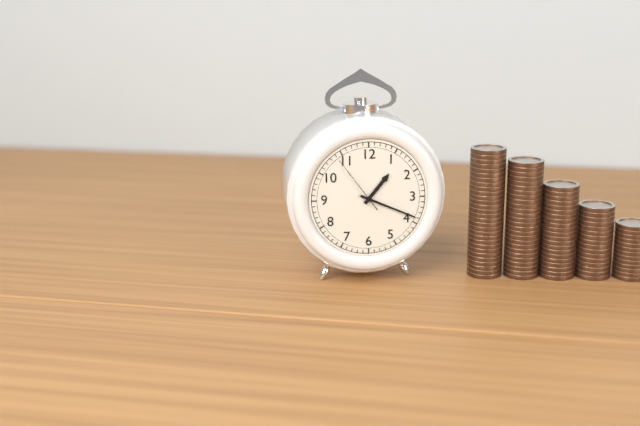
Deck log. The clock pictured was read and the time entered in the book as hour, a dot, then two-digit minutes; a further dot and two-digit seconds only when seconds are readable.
1.19.54
